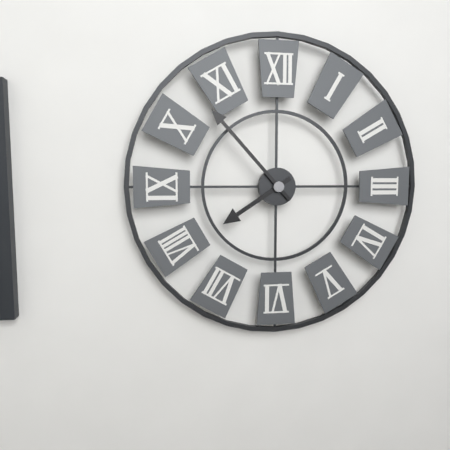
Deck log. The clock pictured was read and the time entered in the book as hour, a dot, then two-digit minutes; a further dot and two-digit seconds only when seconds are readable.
7.53
